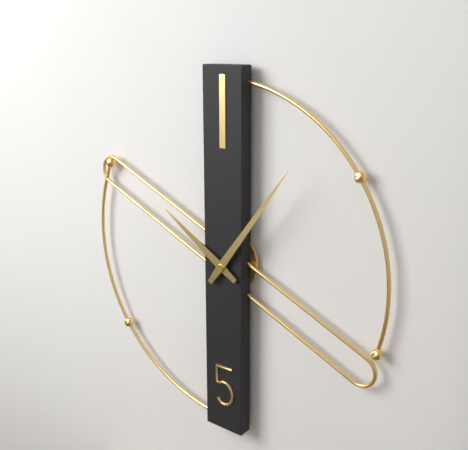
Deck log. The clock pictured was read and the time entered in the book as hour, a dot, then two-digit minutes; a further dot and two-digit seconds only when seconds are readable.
10.06
